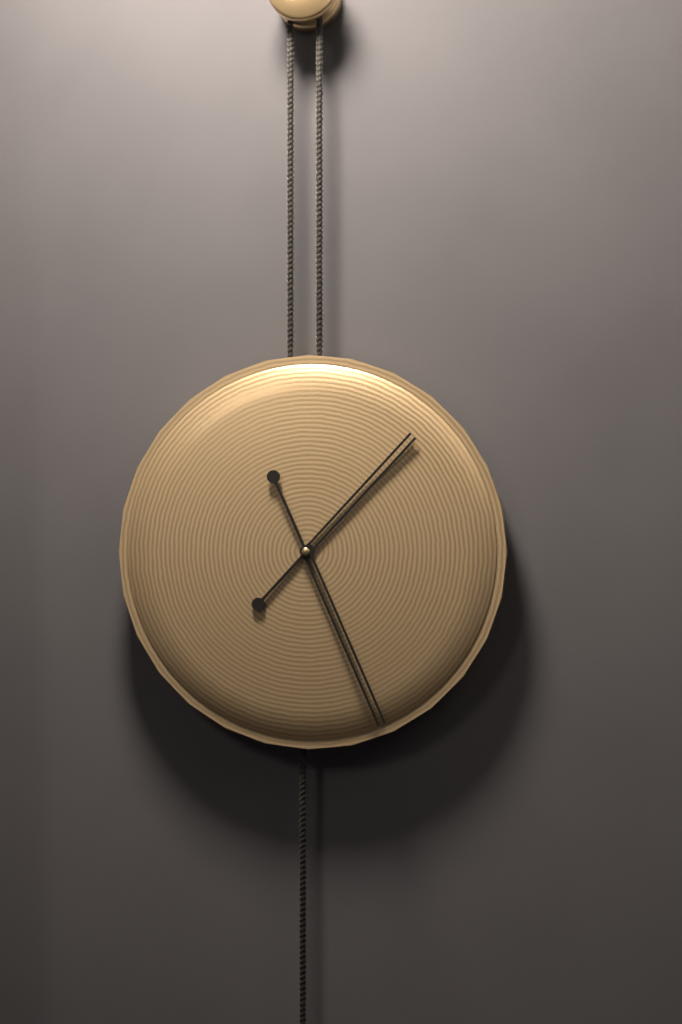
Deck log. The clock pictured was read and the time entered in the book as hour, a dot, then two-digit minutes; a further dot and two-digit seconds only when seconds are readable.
1.26
